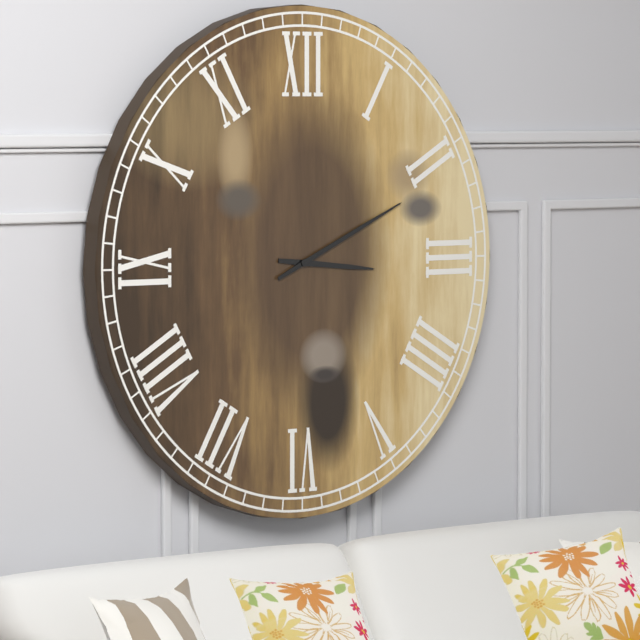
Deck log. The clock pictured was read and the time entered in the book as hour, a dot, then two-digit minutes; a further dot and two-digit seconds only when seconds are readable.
3.11
